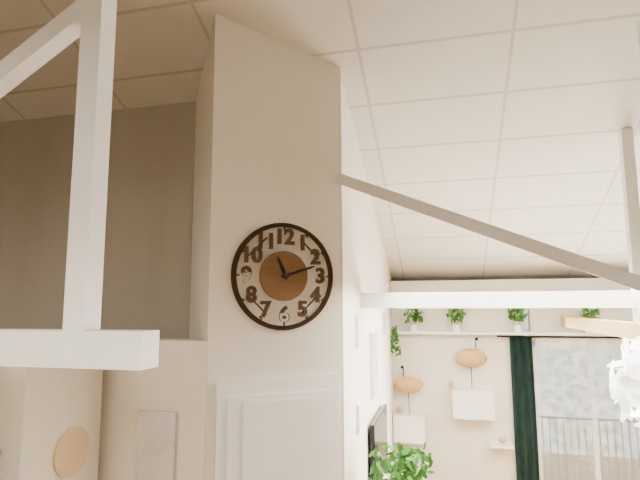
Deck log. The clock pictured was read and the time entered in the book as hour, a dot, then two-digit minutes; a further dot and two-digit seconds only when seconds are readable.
11.12
